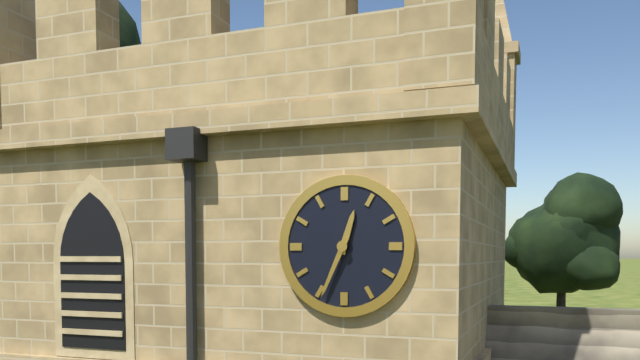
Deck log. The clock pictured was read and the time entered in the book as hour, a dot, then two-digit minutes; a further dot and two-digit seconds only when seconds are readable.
12.34
